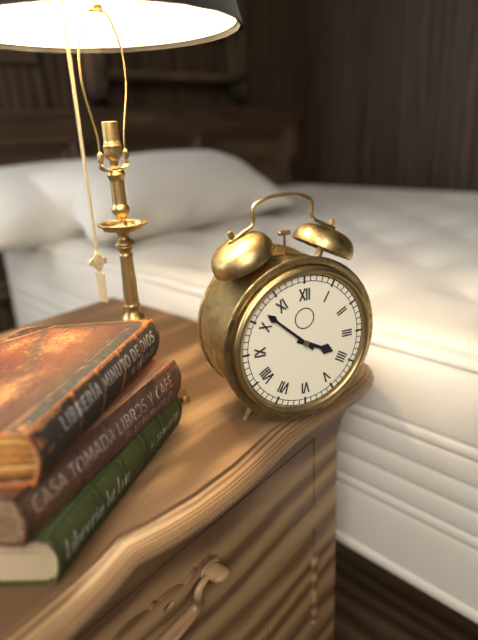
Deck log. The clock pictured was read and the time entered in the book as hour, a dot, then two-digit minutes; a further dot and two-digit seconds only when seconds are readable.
3.52
